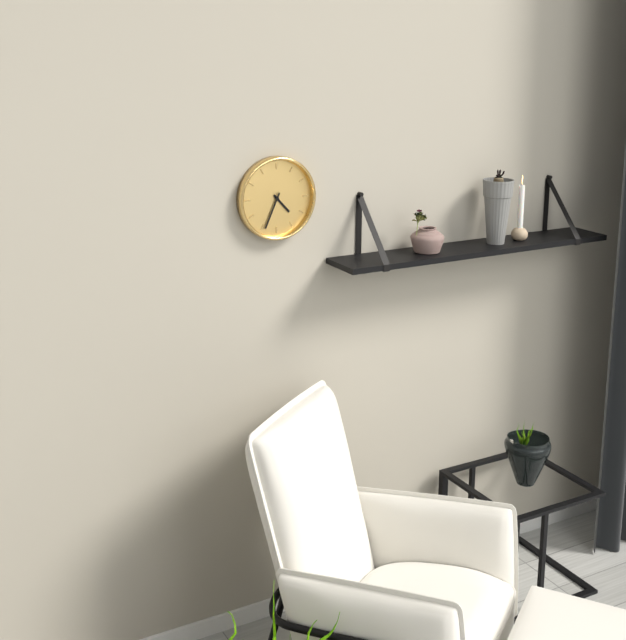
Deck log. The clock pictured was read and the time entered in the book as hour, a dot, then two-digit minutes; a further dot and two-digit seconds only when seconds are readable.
4.34
